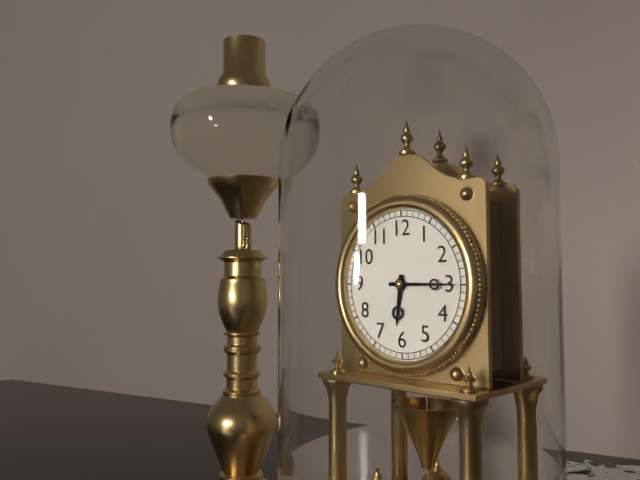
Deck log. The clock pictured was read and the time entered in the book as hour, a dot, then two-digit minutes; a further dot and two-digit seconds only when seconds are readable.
6.15
